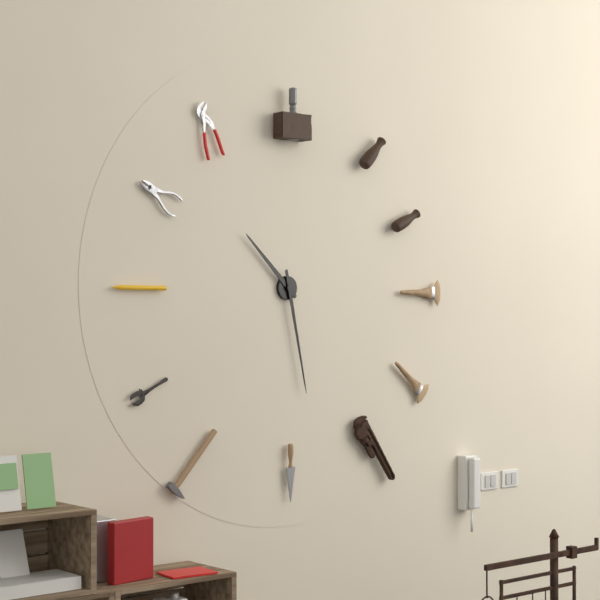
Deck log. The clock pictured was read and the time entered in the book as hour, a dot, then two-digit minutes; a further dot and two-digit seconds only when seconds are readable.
10.28
